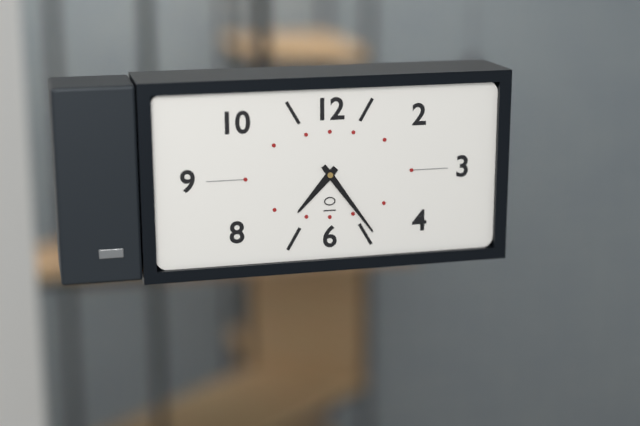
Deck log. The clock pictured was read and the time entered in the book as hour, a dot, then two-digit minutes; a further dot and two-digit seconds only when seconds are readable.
7.24
